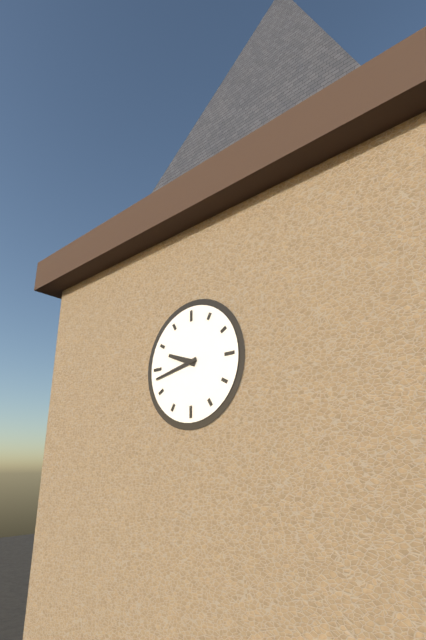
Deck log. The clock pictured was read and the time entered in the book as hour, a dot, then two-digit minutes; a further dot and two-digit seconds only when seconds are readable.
9.43
